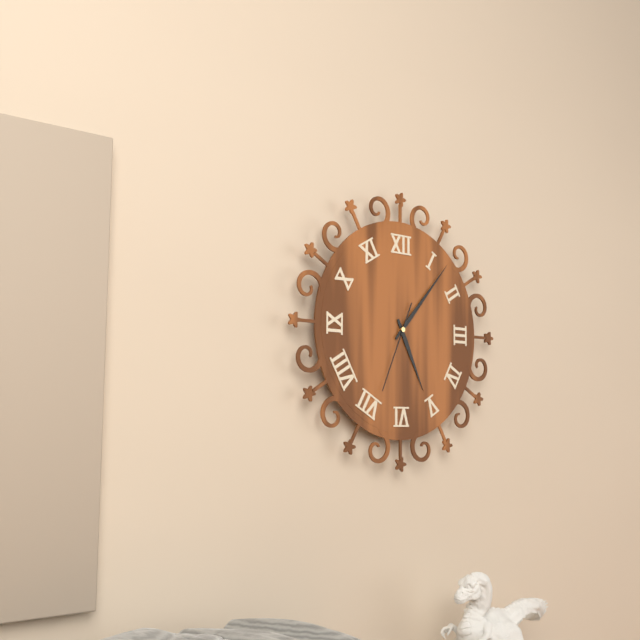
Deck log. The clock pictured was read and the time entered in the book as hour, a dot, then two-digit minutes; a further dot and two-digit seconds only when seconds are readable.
5.07.34
